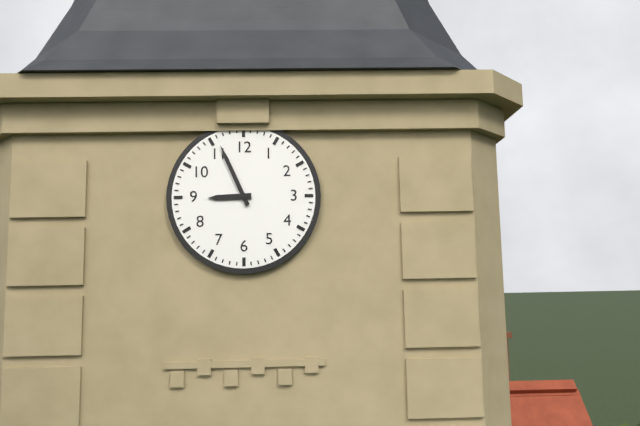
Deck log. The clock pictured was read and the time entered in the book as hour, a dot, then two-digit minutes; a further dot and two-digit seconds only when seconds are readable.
8.56
